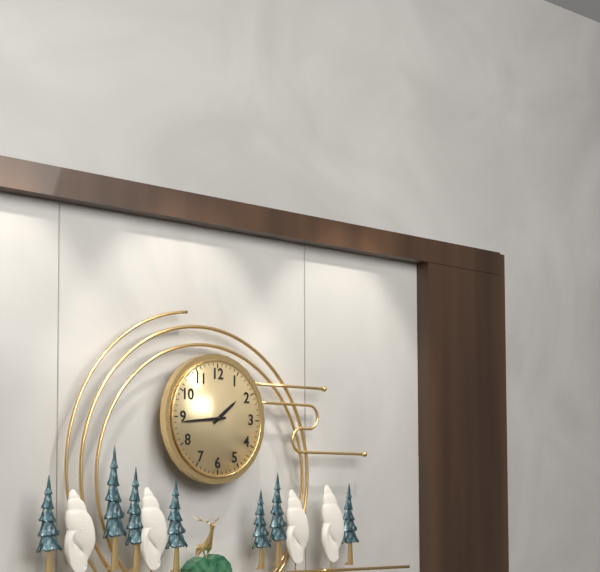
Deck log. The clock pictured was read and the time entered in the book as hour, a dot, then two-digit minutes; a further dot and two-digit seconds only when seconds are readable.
1.44
